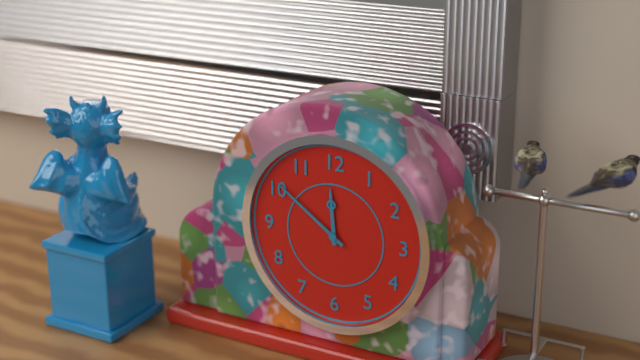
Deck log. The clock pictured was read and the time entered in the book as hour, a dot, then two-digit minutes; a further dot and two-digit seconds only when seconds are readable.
11.51
